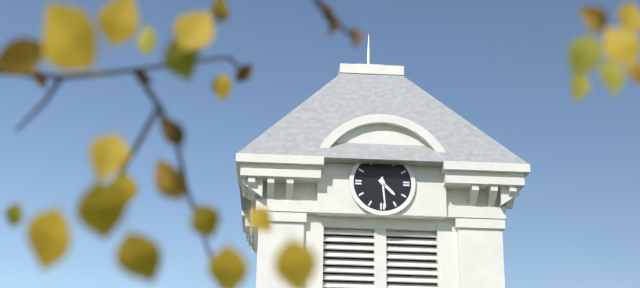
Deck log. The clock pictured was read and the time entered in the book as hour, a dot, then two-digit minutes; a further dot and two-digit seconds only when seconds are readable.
4.29
